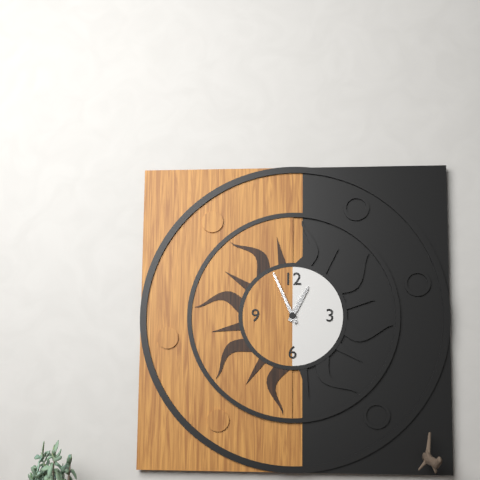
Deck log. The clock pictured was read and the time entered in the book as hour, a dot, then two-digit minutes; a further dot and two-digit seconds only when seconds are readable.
12.56
